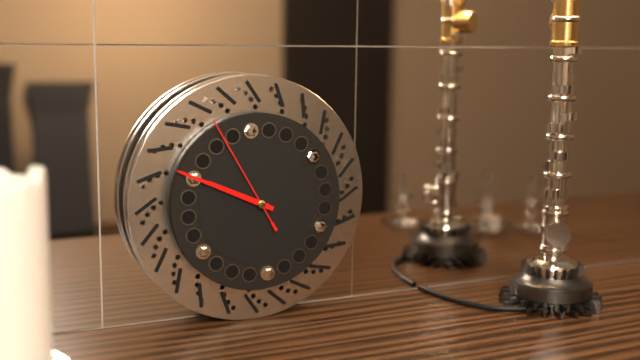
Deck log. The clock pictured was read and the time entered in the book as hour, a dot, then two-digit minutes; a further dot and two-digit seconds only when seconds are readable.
9.49.55
